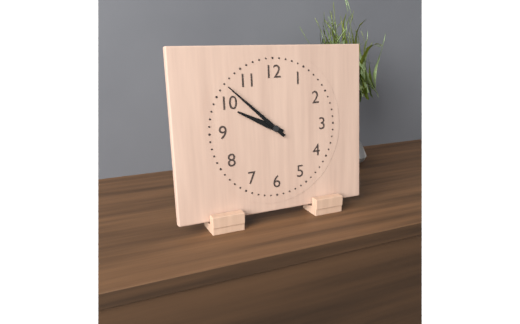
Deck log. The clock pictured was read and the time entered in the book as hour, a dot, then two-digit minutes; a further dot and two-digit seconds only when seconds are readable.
9.52
